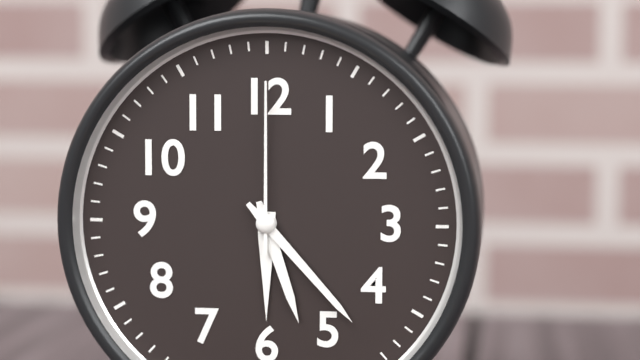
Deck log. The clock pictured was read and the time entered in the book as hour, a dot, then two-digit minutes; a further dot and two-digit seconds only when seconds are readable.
5.23.00
